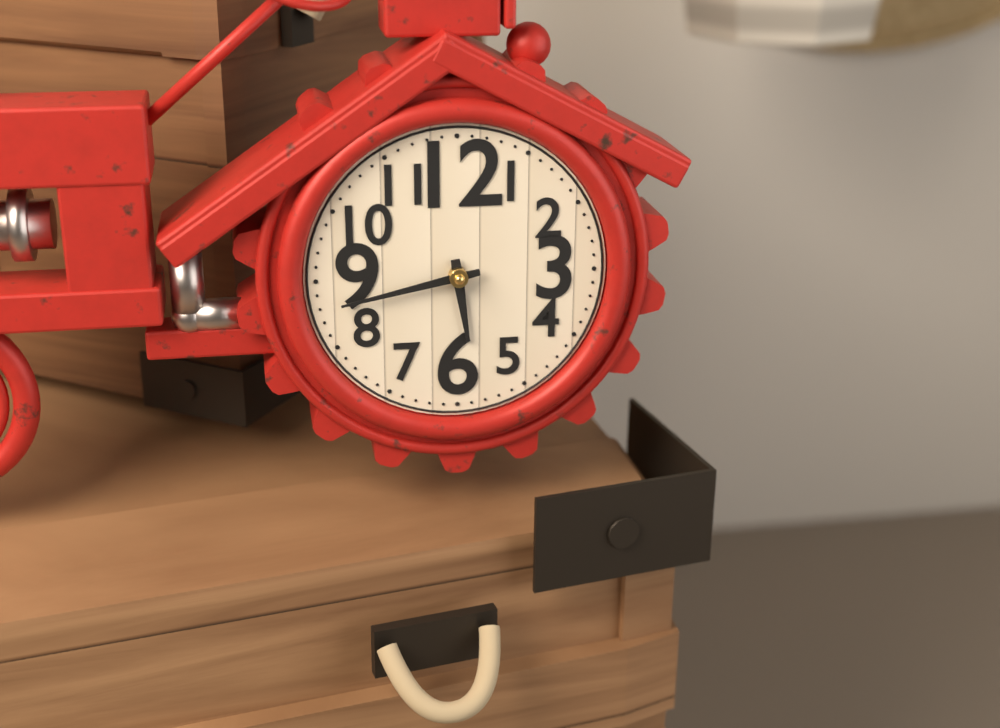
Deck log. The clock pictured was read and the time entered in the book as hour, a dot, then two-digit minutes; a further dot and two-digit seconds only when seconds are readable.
5.43
